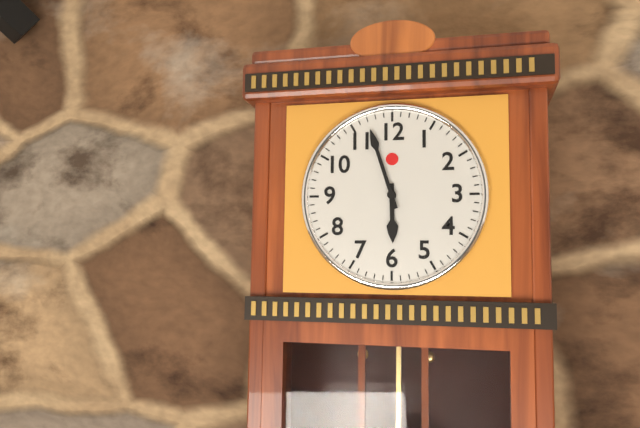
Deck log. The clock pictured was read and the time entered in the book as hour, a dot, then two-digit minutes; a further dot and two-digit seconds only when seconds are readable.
5.57
